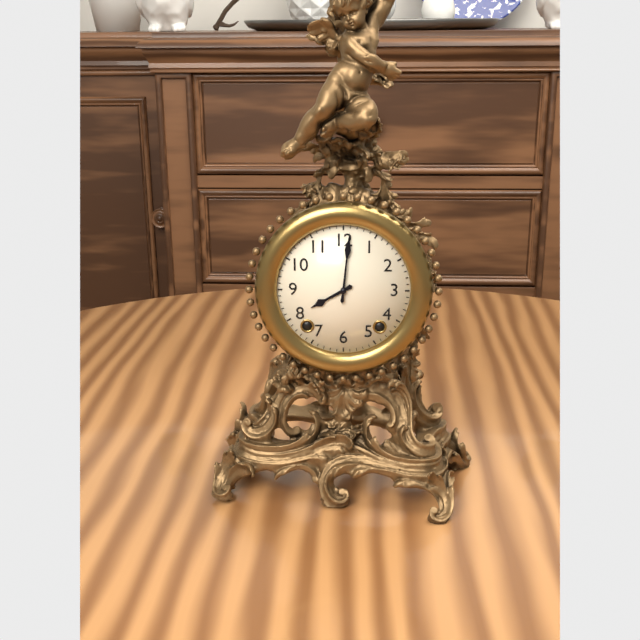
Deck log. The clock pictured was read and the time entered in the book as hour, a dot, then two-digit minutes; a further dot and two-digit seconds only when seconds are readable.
8.01
